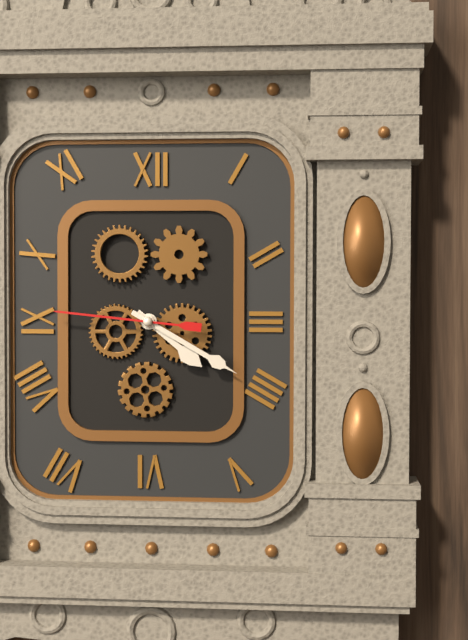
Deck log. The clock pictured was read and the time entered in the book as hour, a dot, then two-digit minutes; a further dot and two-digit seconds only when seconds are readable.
4.20.46
